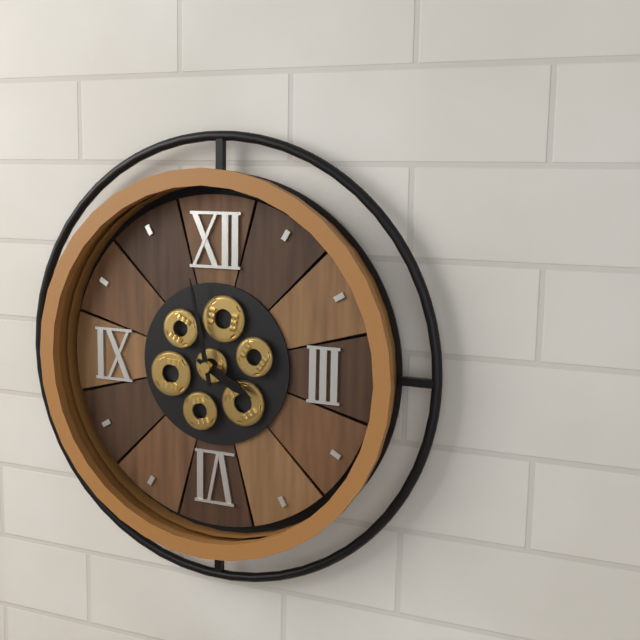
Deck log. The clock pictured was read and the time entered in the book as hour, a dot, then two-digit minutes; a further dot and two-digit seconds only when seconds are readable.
3.58
